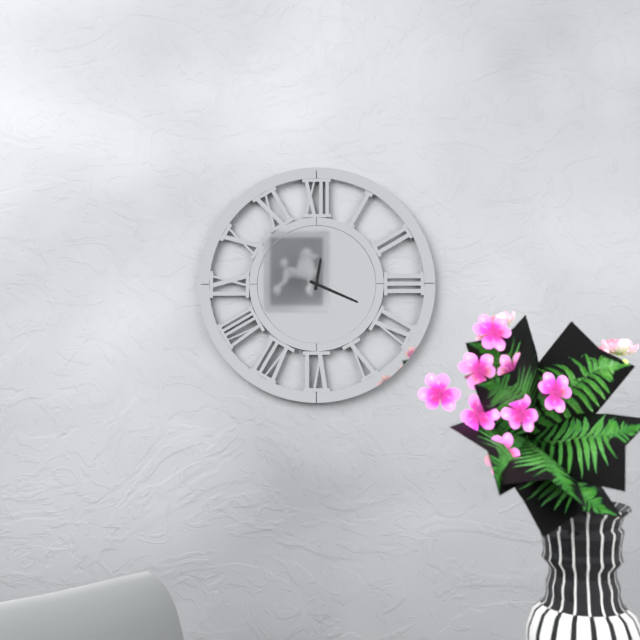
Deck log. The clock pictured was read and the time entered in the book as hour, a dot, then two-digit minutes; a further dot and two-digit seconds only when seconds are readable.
12.19
